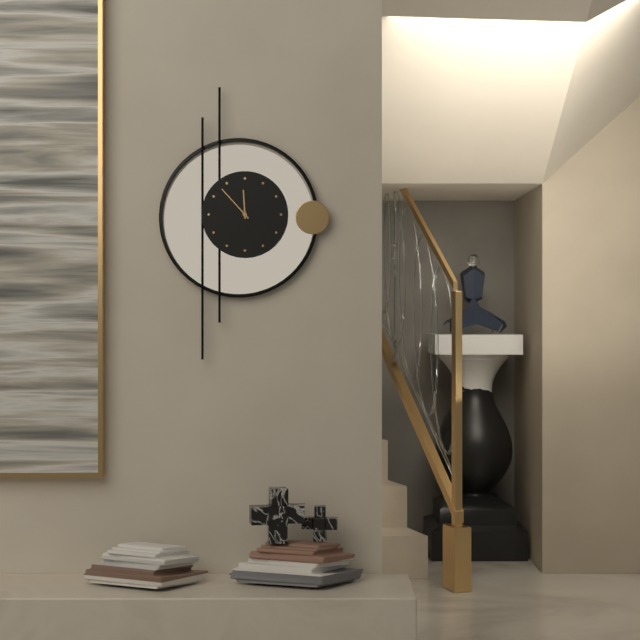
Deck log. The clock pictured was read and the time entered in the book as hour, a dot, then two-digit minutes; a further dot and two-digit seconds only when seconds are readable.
11.53
